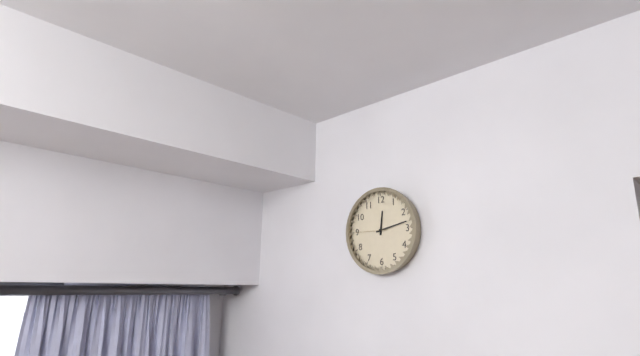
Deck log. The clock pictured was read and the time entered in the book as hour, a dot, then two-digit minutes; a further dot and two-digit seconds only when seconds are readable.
12.13
